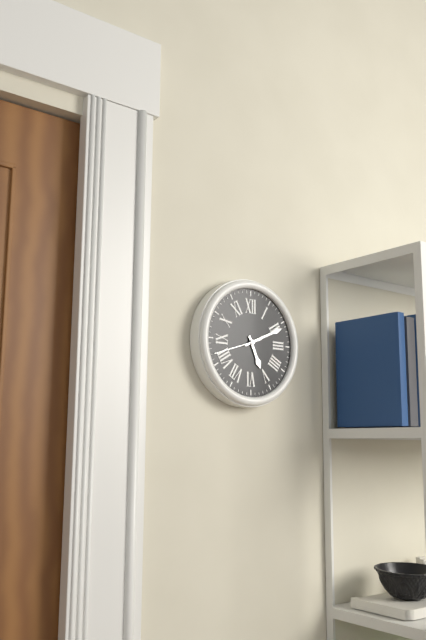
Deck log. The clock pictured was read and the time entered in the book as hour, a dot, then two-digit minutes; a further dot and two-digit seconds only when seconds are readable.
5.11
